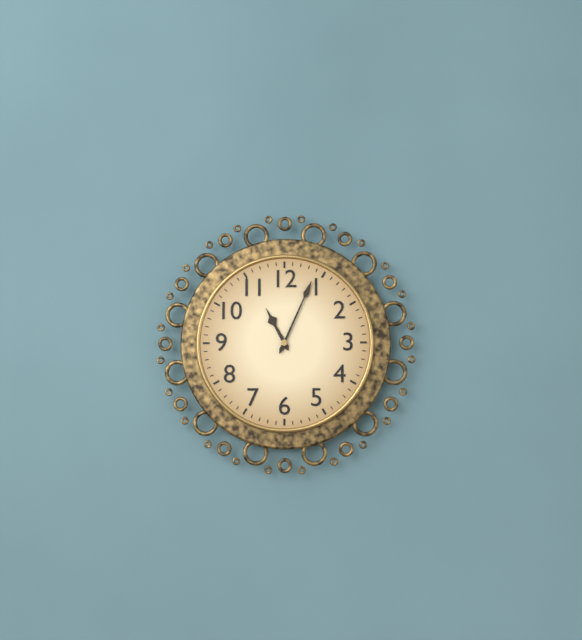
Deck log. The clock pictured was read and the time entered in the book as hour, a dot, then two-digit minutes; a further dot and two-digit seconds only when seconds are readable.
11.04
